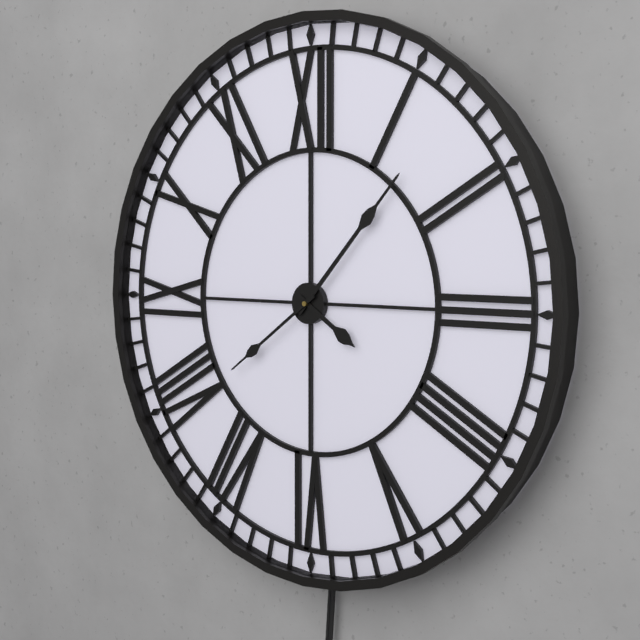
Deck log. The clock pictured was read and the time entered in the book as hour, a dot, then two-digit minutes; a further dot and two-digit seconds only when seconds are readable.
4.07.39
